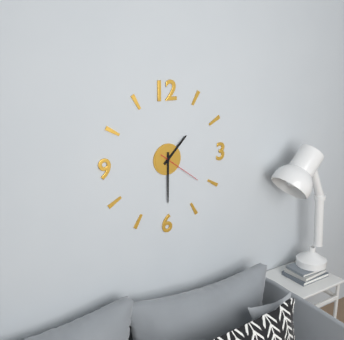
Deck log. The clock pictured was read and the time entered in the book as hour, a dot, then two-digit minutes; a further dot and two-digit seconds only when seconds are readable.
1.30
